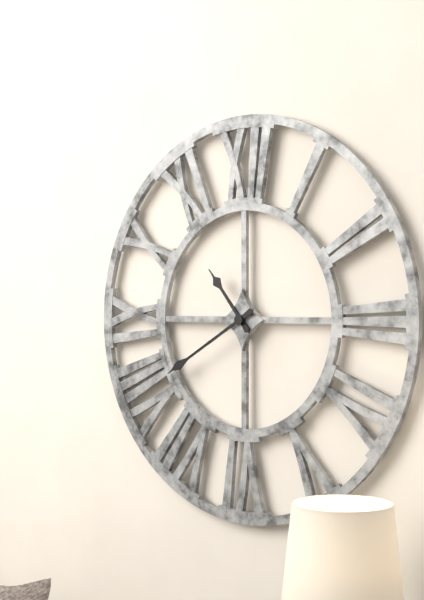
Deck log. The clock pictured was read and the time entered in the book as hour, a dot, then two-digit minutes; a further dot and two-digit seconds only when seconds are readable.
10.40
